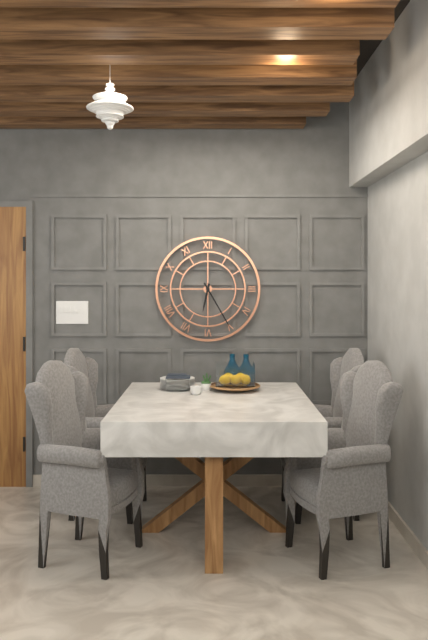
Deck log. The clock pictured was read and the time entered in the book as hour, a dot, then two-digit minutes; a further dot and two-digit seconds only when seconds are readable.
6.25
